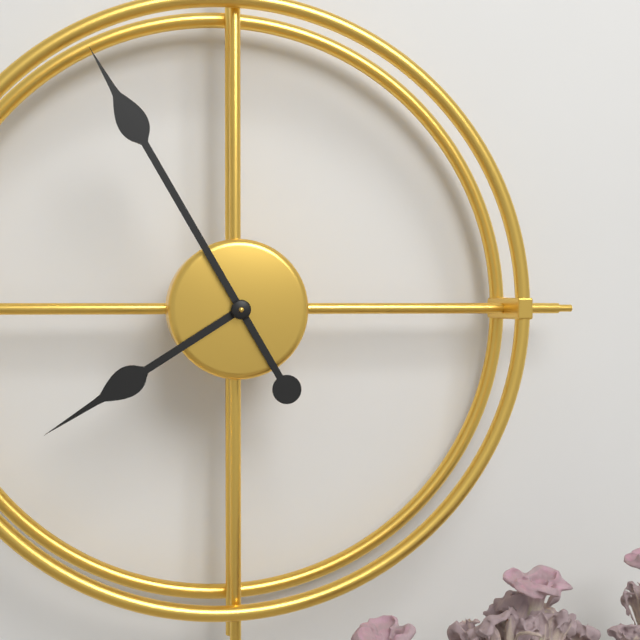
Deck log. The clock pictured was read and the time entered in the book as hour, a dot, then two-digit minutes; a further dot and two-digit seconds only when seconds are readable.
7.55
